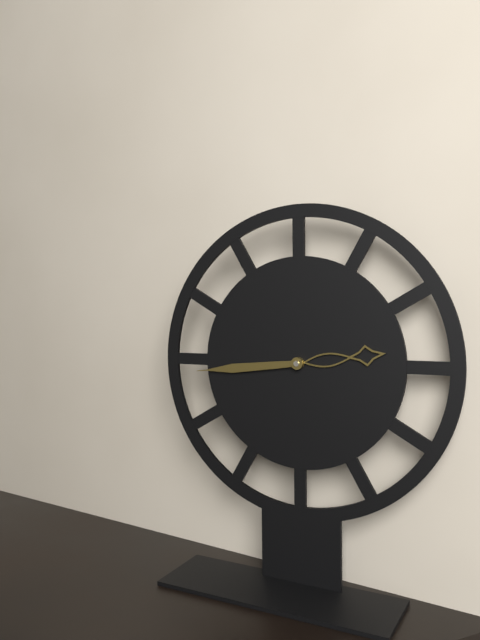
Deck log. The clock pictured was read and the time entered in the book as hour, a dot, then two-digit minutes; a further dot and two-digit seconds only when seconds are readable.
2.44
